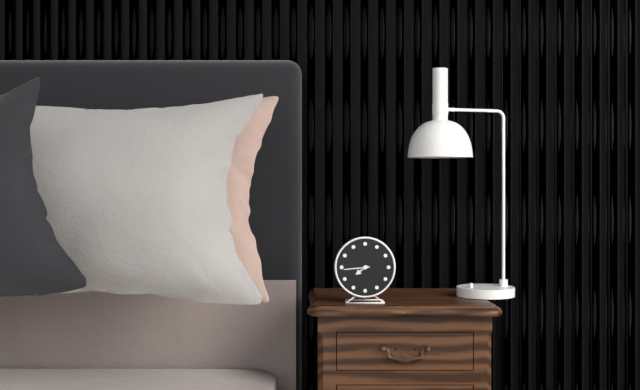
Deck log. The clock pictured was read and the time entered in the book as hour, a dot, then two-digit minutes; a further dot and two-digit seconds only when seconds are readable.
7.44
